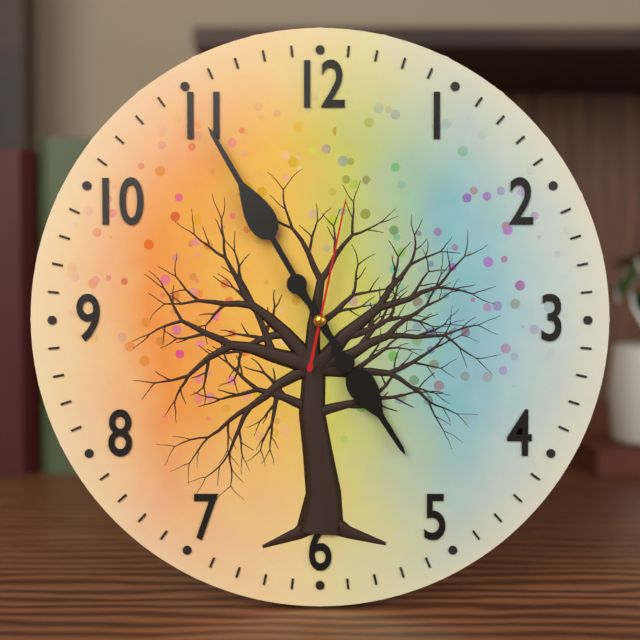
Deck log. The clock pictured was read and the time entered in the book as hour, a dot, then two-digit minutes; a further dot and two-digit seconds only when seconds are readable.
4.55.02
